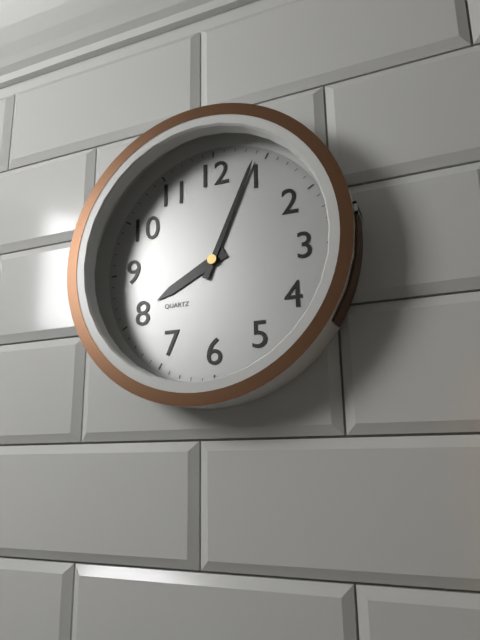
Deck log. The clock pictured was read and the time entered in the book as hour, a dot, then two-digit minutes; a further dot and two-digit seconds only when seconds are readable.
8.04
